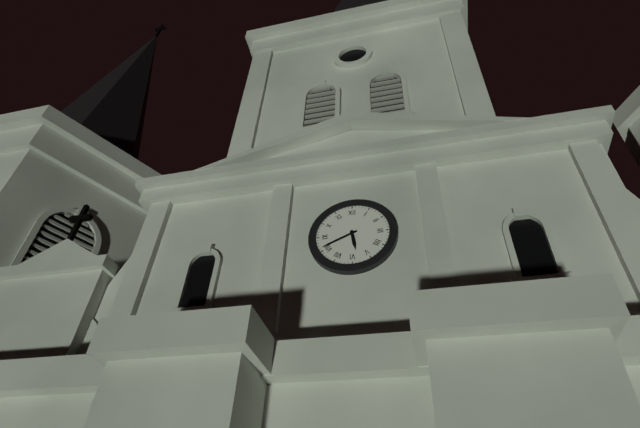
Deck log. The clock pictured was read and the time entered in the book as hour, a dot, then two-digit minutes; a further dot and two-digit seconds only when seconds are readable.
5.41
